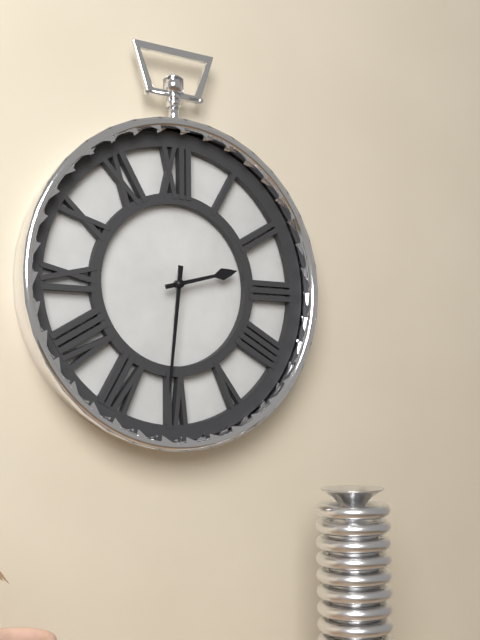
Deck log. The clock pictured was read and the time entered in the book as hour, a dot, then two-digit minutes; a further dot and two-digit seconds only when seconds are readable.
2.31
